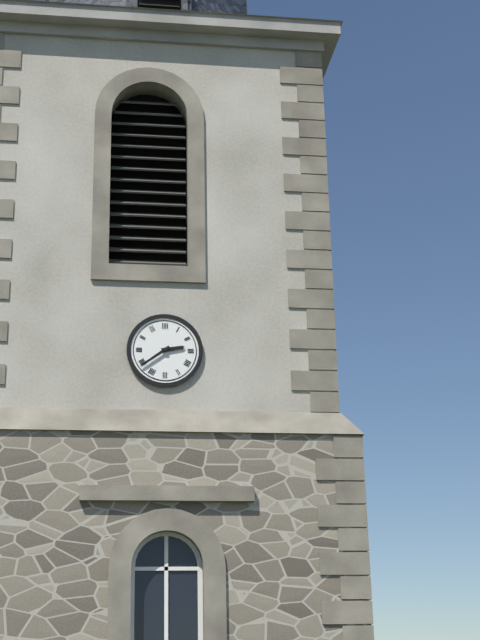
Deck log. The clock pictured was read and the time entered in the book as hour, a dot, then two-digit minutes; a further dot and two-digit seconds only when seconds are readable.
2.39
